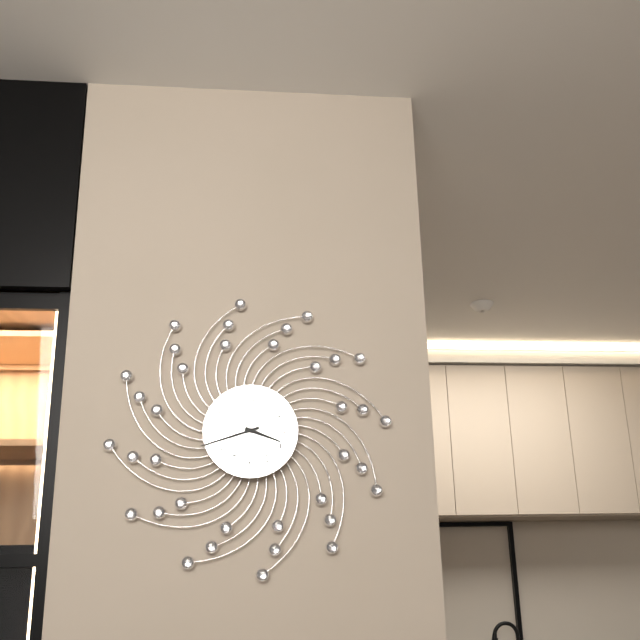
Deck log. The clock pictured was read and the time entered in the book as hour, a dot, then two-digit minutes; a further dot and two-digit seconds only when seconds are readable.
3.42
